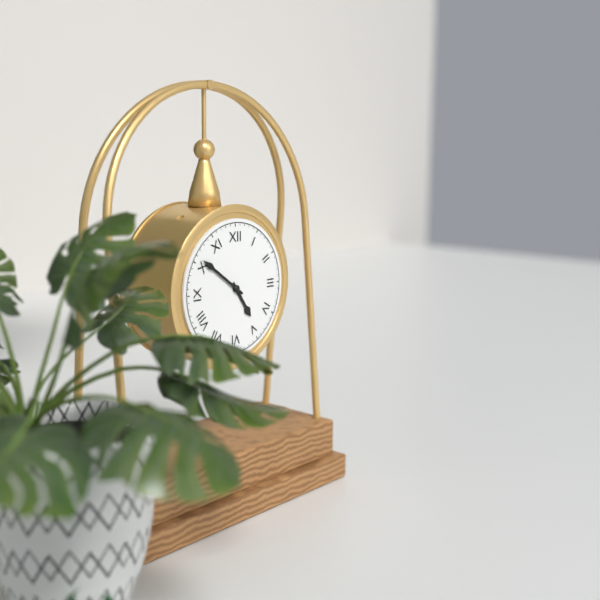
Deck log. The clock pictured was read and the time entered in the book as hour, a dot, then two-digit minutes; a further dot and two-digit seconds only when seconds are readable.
4.51
